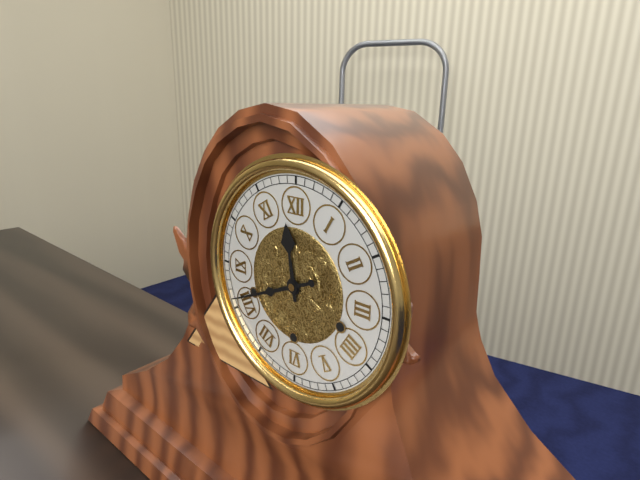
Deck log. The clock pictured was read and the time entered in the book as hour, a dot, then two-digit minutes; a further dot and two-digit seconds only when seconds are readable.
11.41
